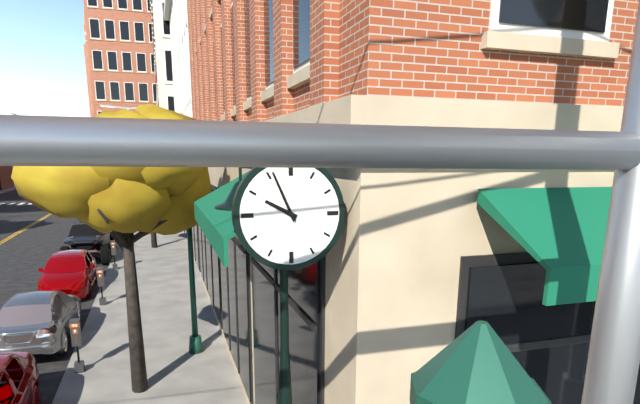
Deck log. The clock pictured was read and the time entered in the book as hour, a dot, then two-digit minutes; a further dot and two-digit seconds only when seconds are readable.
9.56
